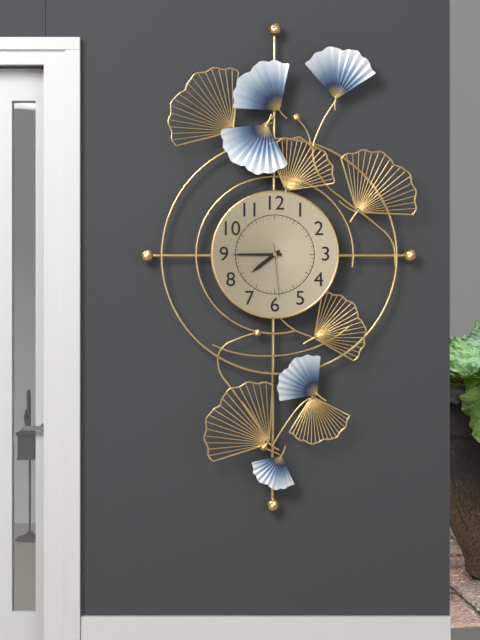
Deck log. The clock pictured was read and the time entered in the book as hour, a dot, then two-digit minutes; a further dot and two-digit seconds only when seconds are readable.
7.45.29
